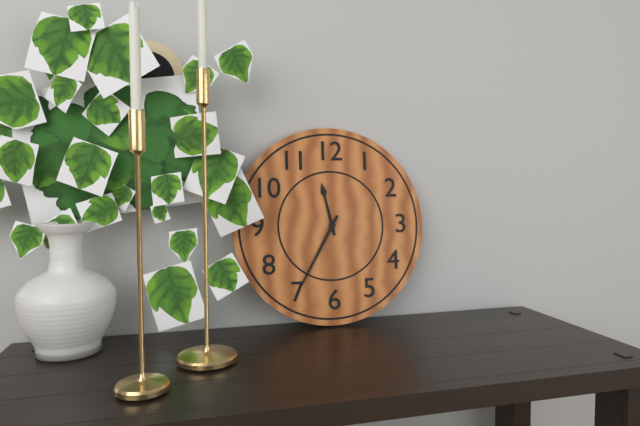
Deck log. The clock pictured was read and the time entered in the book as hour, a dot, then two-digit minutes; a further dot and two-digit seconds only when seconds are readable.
11.35
